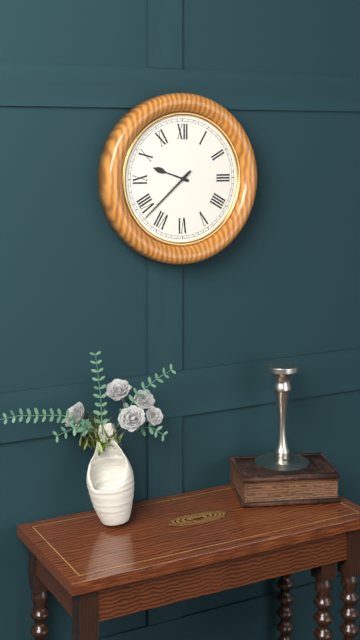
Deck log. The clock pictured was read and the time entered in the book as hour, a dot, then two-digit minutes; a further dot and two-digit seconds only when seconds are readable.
9.38
